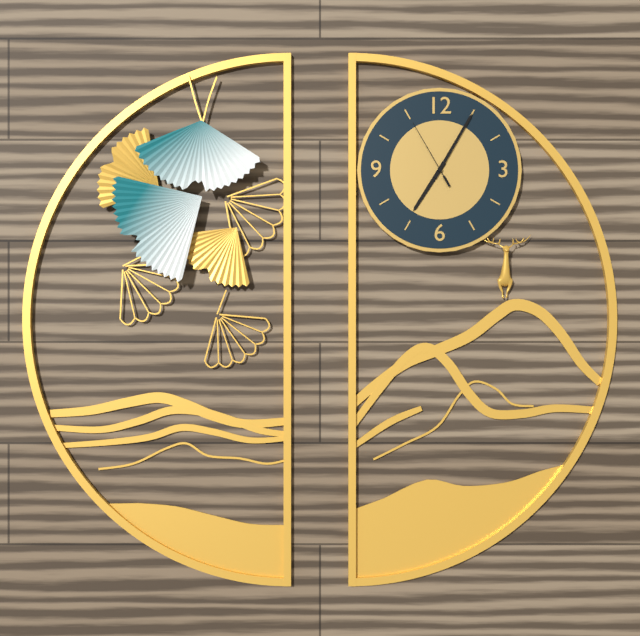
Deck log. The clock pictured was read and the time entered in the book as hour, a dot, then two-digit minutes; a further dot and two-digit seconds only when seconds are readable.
7.05.55
